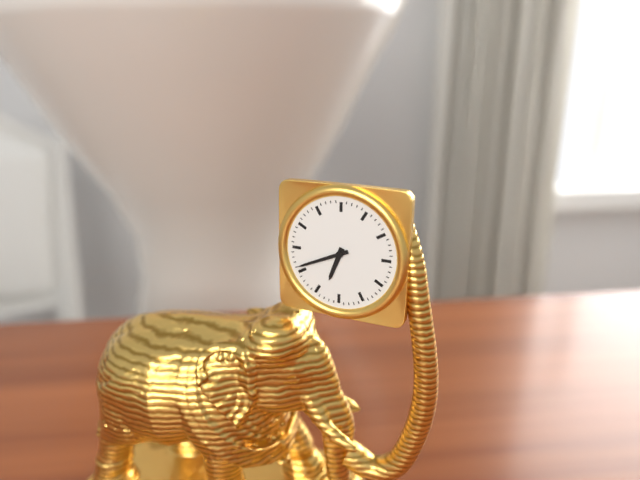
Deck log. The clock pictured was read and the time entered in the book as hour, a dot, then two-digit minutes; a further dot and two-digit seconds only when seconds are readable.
6.41
